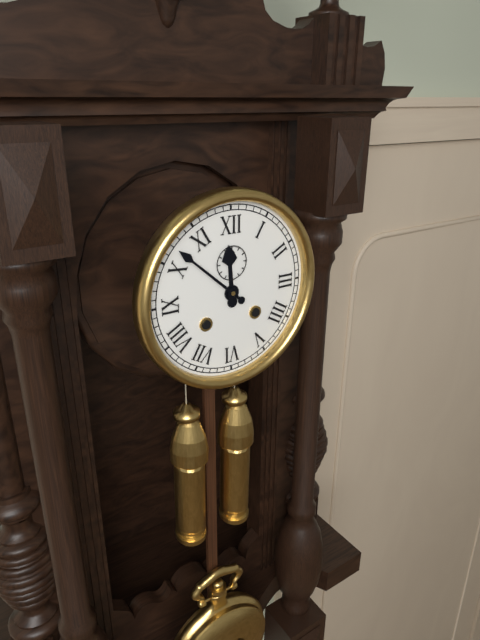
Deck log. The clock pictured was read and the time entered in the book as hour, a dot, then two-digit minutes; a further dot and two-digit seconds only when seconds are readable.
11.52
